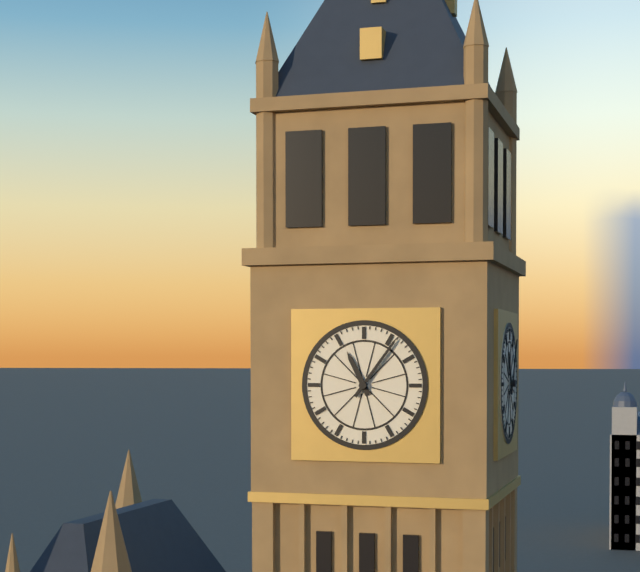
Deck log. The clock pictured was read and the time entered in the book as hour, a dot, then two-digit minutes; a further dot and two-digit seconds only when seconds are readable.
11.06
